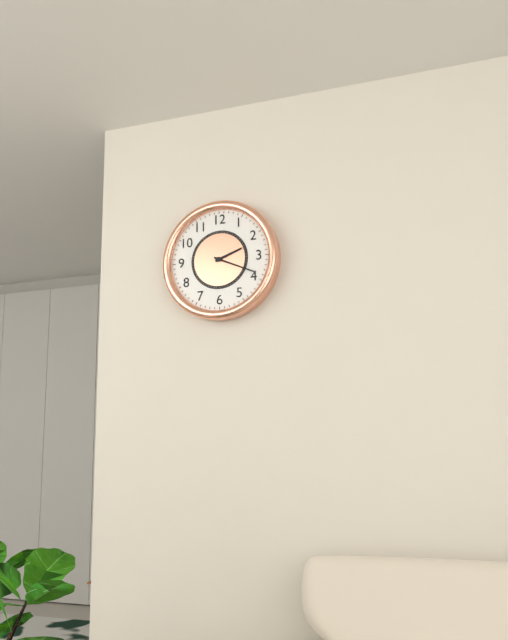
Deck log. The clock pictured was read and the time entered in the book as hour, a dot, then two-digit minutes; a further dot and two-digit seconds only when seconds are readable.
2.19
